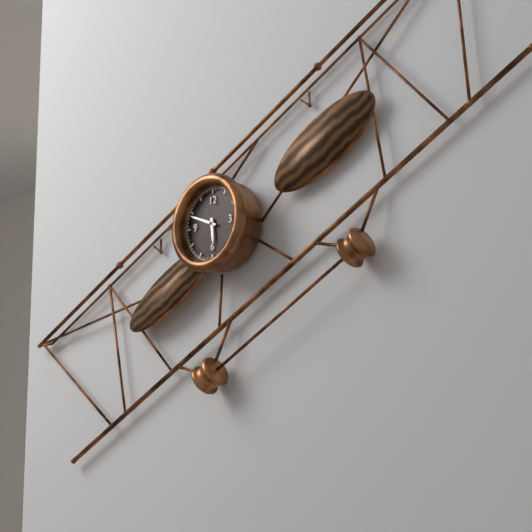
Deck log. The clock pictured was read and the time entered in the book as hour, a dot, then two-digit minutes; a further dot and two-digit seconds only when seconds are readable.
5.49
